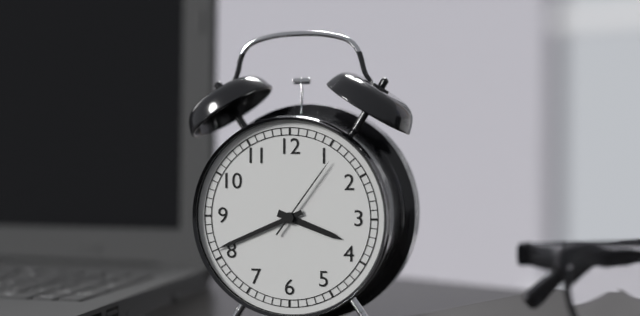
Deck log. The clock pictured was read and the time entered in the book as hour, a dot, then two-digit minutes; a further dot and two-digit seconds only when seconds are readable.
3.41.06
